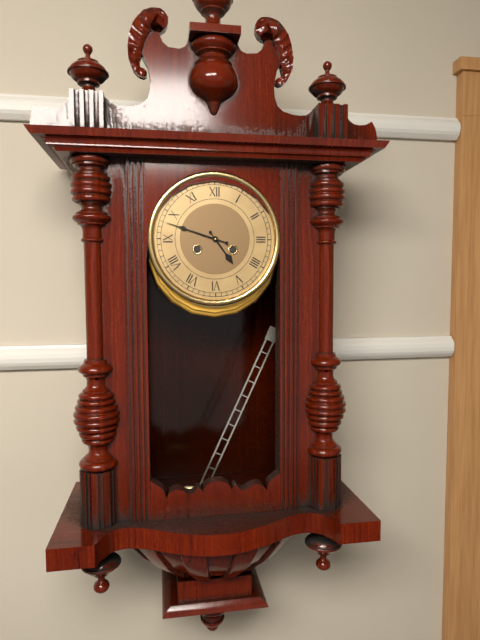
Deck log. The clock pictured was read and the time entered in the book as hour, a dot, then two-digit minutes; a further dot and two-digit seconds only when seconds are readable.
4.48
